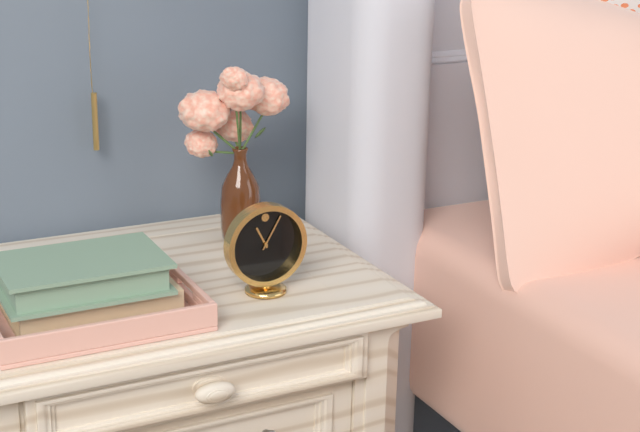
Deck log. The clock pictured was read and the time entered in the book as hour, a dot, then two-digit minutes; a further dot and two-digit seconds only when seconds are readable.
11.05
